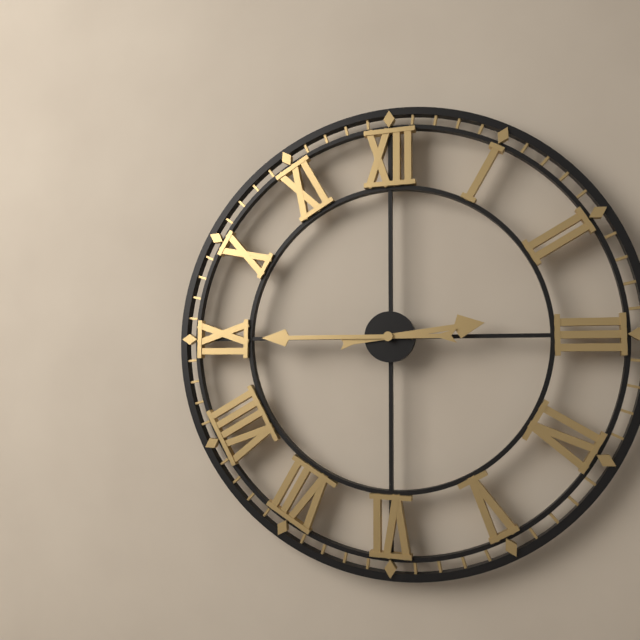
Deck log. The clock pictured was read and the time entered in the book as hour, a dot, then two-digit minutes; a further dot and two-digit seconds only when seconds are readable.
2.45
